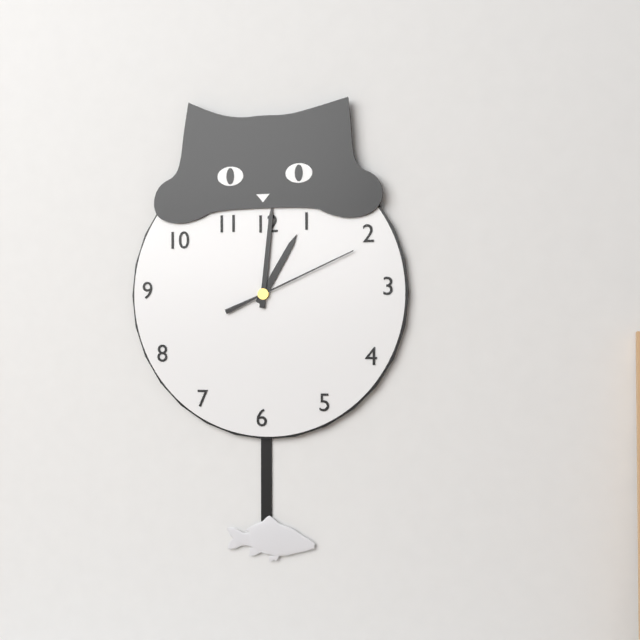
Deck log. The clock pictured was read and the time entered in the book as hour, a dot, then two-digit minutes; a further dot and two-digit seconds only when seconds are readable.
1.01.11
